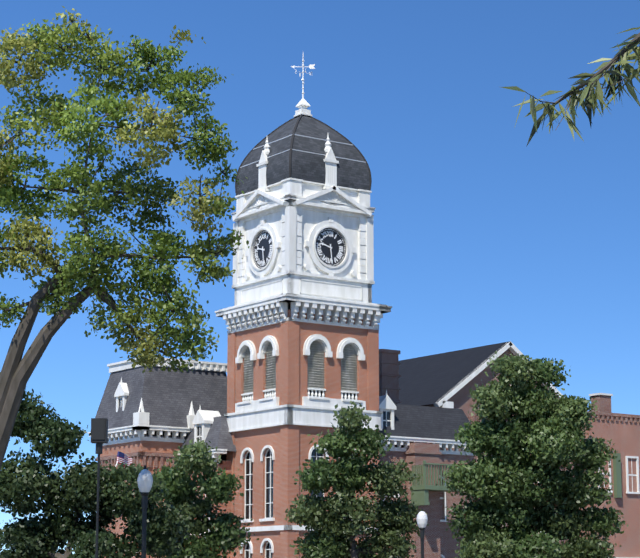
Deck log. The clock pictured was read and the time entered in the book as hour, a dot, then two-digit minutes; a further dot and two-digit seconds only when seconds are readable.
9.29
